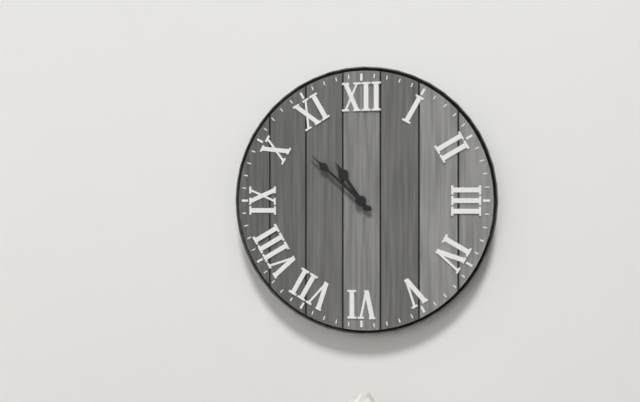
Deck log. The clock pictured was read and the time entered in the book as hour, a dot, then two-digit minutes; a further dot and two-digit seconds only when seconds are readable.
10.52
